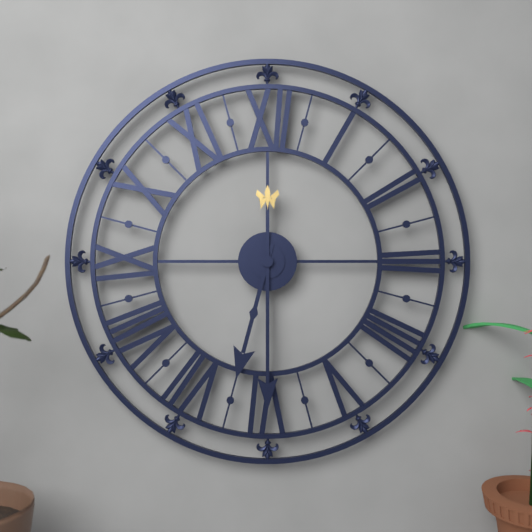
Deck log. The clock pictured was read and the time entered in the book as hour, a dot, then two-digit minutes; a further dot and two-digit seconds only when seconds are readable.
6.30
